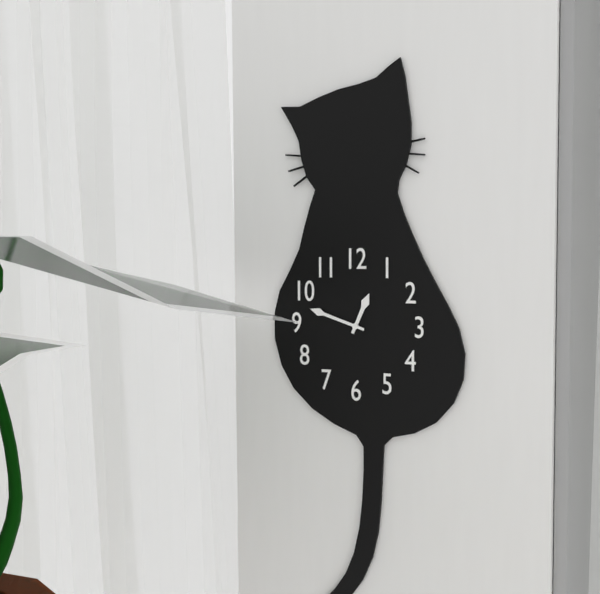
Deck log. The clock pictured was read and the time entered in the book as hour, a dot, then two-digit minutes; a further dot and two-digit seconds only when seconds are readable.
12.48
